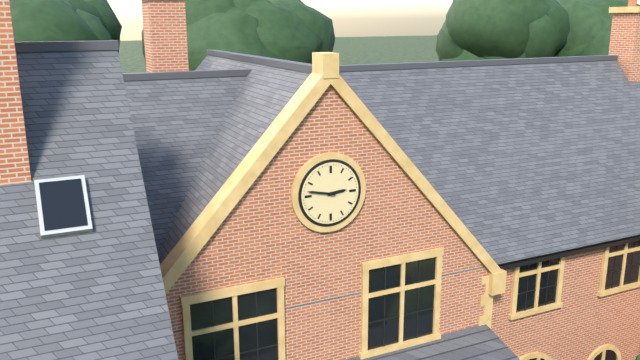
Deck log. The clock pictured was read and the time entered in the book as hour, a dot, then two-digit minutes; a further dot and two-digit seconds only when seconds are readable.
2.47
